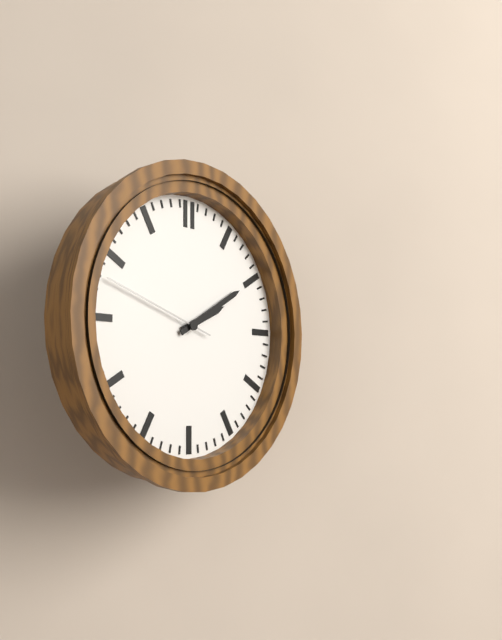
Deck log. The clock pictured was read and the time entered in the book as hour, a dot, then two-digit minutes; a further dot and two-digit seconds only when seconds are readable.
2.10.48
